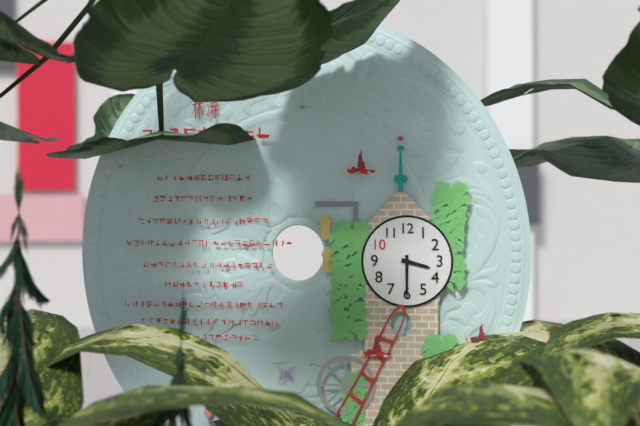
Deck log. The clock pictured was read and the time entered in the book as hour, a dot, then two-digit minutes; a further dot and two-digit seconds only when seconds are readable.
3.30
